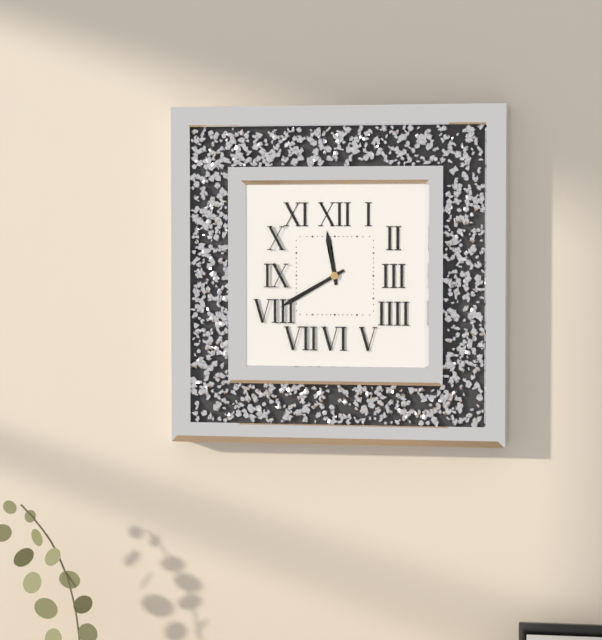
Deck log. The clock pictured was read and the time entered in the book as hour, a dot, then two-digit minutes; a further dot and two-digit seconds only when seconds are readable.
11.40
